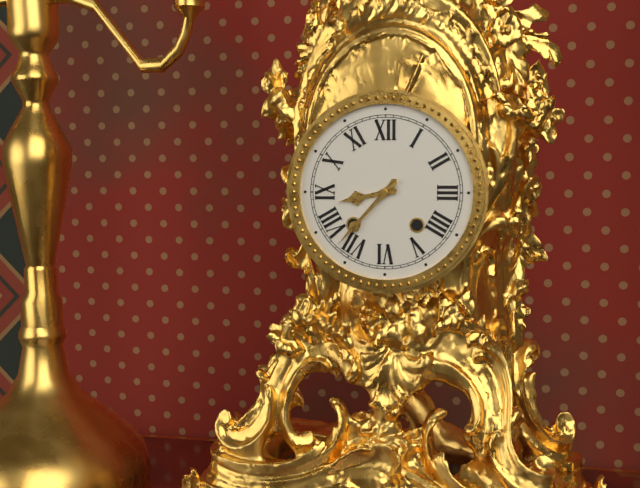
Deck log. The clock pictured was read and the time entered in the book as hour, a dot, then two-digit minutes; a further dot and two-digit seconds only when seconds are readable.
8.37
